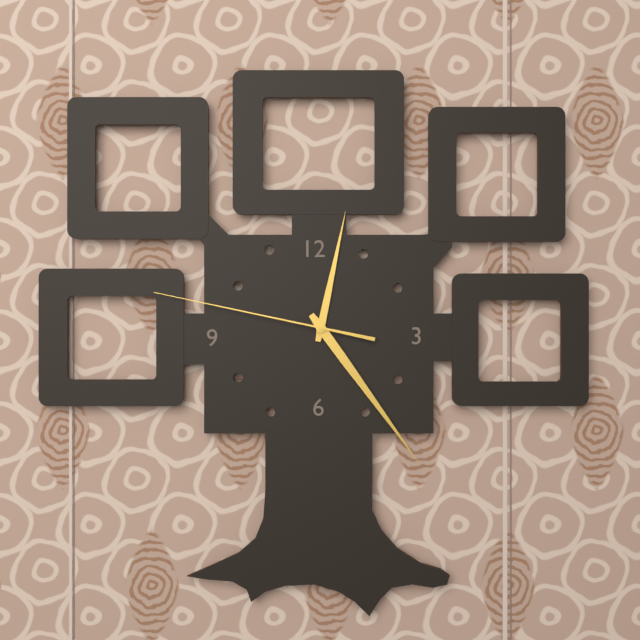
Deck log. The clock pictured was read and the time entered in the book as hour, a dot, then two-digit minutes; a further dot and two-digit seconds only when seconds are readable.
12.24.47
